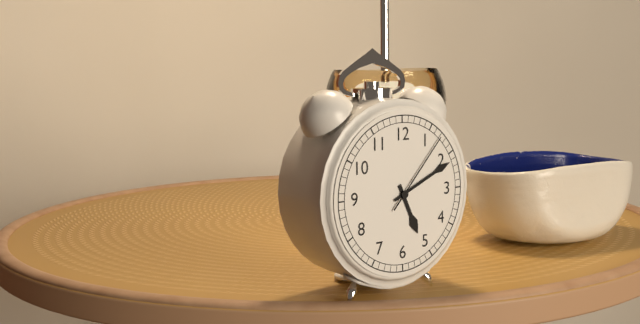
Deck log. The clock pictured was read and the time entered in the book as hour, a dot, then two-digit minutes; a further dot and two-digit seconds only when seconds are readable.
5.11.07
